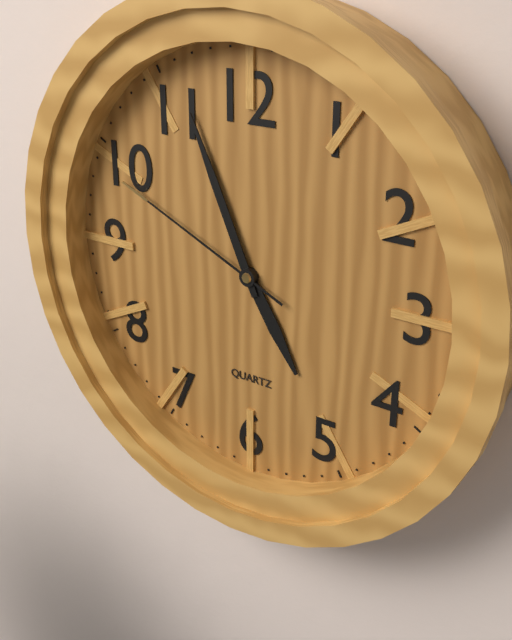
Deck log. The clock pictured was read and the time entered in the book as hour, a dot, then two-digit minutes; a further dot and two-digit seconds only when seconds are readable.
4.56.49
